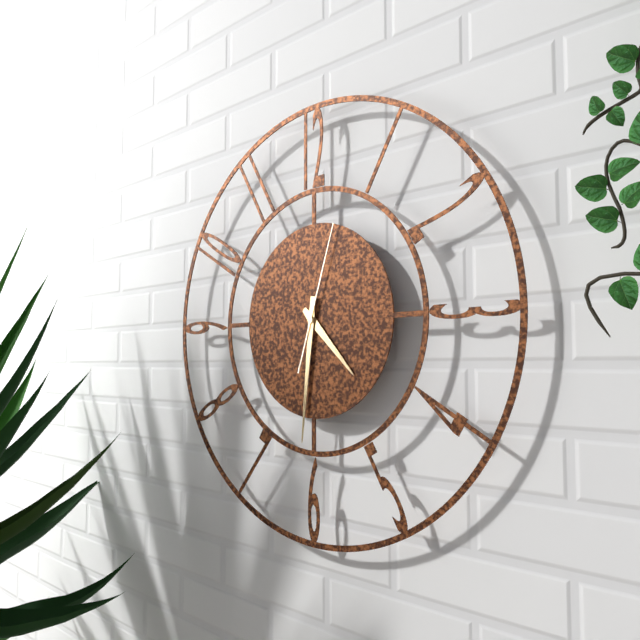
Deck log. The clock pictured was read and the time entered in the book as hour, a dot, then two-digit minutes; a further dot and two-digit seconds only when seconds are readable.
4.31.03
